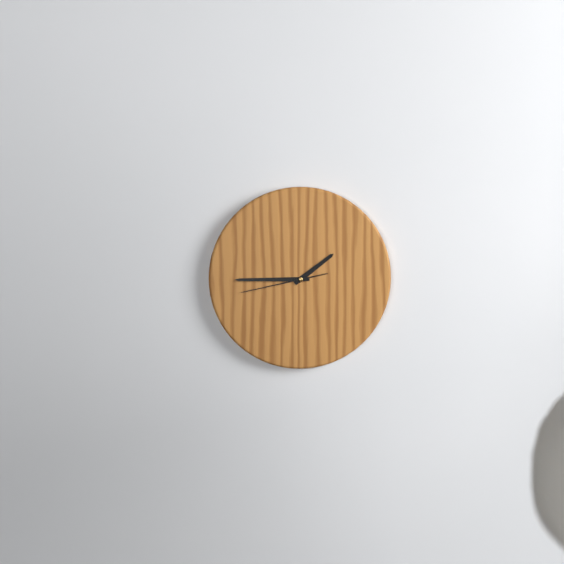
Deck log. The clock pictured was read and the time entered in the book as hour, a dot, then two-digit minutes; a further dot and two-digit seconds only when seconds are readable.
1.45.43
